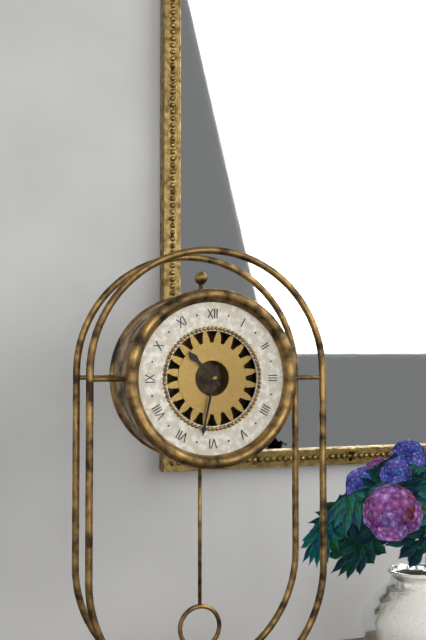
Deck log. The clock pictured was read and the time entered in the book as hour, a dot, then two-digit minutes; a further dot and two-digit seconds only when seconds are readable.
10.32
